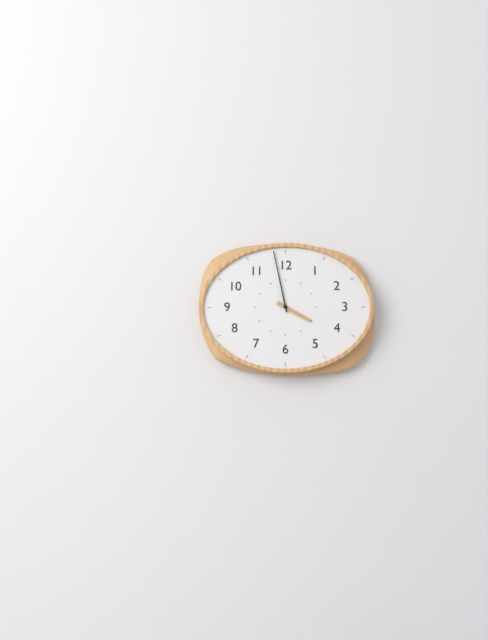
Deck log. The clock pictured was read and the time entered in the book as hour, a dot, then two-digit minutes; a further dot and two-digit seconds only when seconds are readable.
3.58
